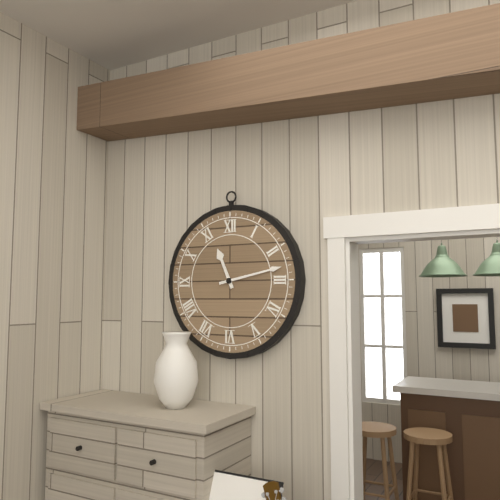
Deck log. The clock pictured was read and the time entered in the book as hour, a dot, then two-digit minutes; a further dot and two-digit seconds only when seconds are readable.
11.13
